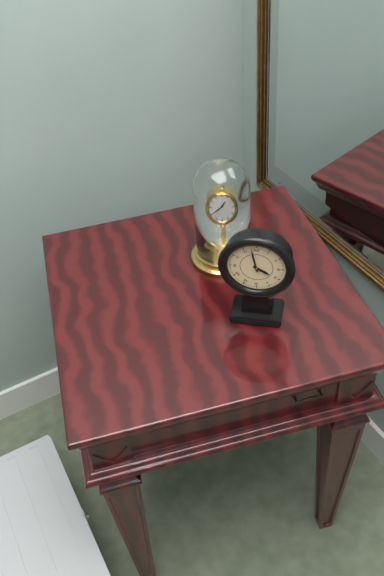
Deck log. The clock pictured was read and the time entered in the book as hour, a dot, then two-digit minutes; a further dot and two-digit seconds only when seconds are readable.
3.58
